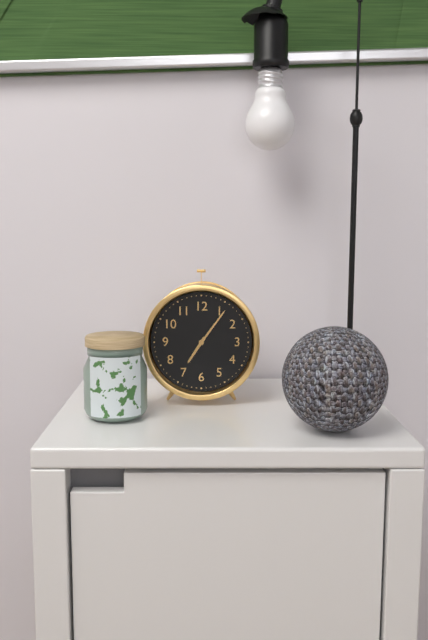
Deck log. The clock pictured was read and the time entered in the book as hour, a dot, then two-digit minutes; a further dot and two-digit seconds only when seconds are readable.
7.06
